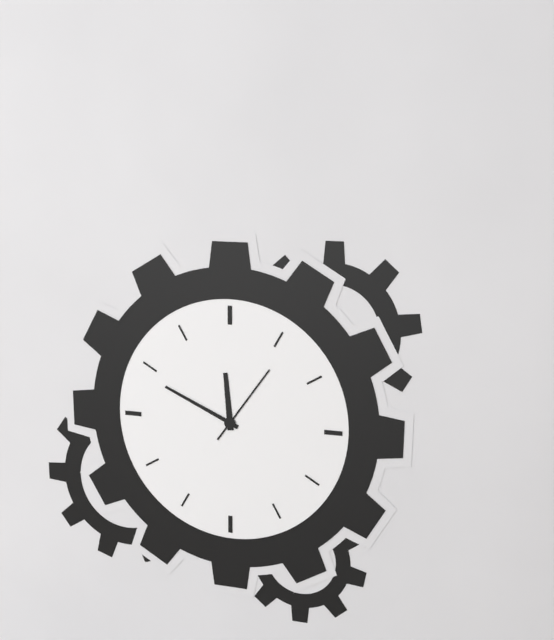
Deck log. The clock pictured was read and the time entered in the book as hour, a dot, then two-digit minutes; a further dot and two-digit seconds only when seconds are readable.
11.49.06
